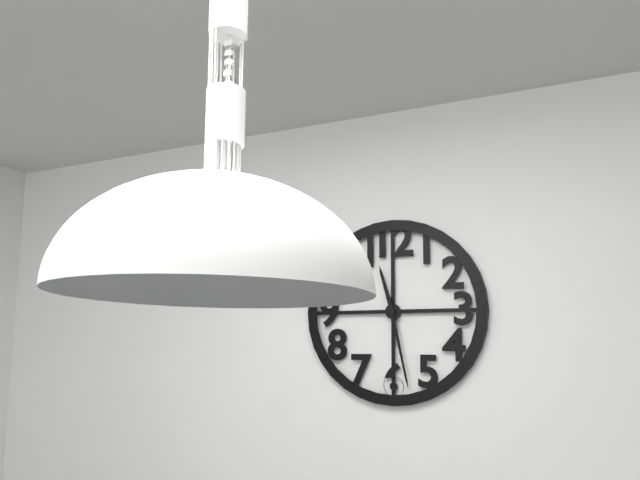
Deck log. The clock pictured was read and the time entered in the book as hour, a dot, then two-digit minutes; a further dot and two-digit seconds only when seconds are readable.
11.28
